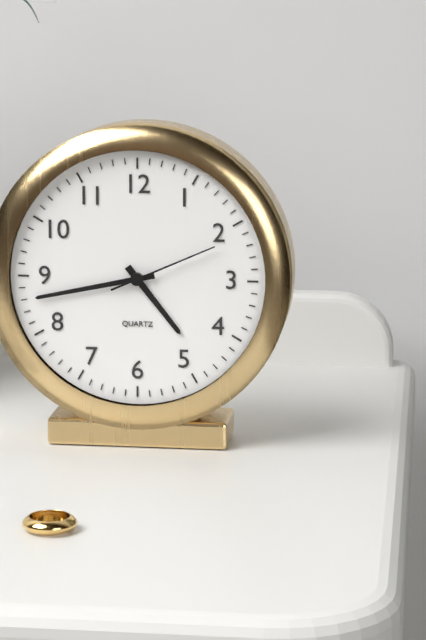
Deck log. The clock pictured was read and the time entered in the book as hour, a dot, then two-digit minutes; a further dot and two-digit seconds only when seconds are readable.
4.43.11
